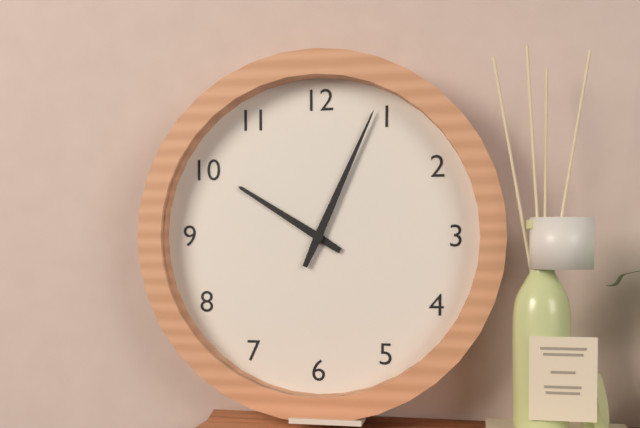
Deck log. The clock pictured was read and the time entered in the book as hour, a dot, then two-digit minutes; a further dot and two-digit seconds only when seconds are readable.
10.04
